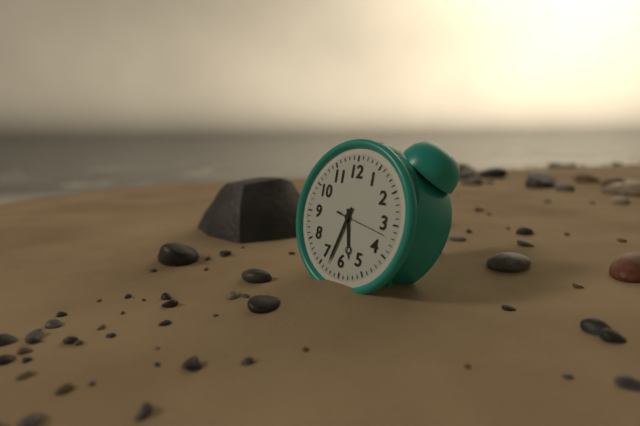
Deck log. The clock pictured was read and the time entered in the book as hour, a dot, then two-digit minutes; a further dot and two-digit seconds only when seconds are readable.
5.33
